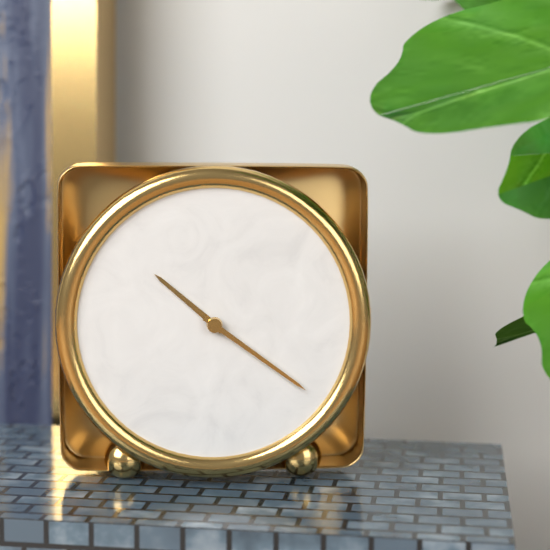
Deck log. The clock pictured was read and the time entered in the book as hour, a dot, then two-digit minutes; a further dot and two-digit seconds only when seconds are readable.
10.21
